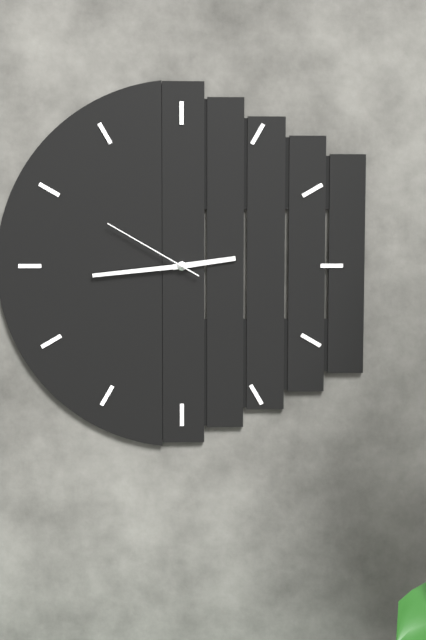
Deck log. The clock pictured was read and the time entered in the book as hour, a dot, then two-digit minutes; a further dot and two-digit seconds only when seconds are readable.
2.44.50
